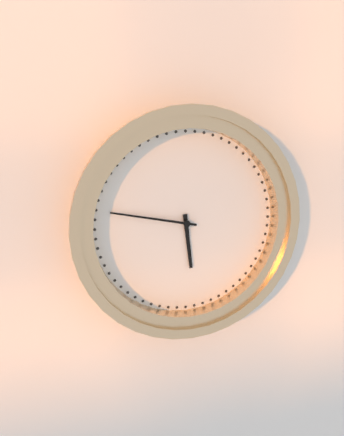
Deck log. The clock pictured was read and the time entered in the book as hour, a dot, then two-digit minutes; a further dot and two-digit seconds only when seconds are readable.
5.47
